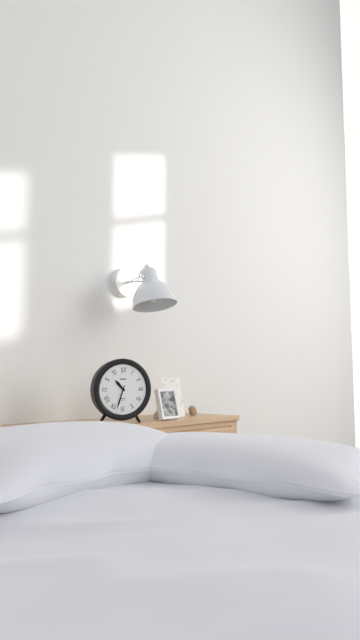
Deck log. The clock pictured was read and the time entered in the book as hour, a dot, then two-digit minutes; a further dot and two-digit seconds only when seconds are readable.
10.33
